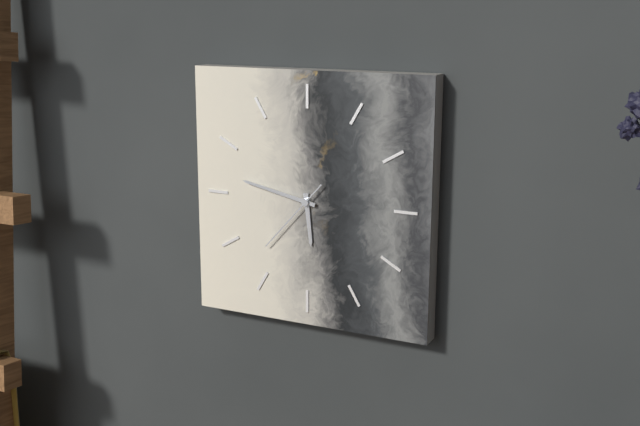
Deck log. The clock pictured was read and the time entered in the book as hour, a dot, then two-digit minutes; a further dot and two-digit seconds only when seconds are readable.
5.47.37
